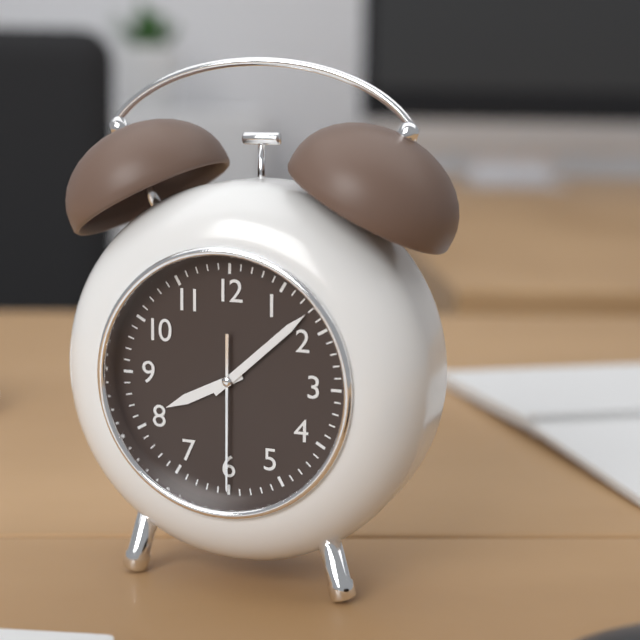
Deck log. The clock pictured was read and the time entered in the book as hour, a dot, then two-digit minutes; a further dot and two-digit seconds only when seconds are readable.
8.08.30
